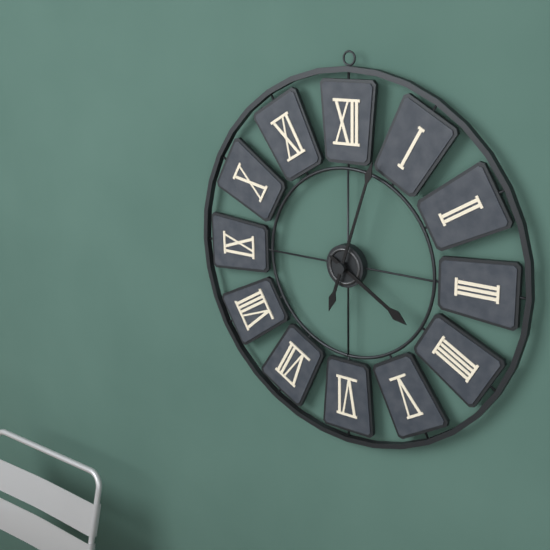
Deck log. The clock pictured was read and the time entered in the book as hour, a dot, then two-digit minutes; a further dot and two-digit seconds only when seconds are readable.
4.03
